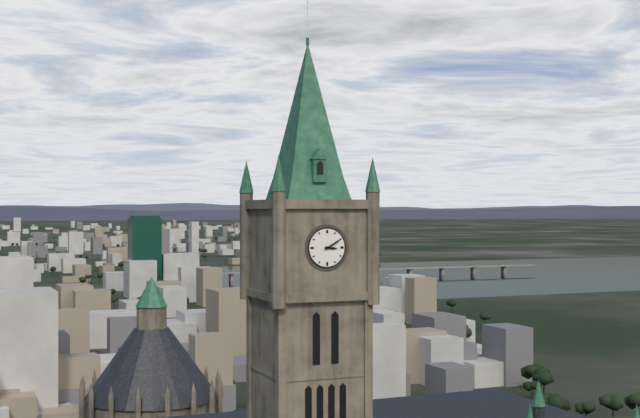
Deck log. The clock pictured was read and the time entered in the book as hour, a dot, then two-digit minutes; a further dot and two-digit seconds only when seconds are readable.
3.10
